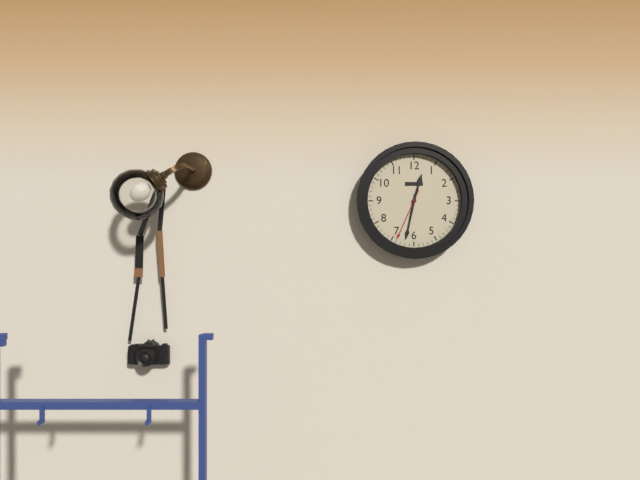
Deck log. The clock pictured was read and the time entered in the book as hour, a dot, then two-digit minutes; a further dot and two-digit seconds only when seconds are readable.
12.32.34
